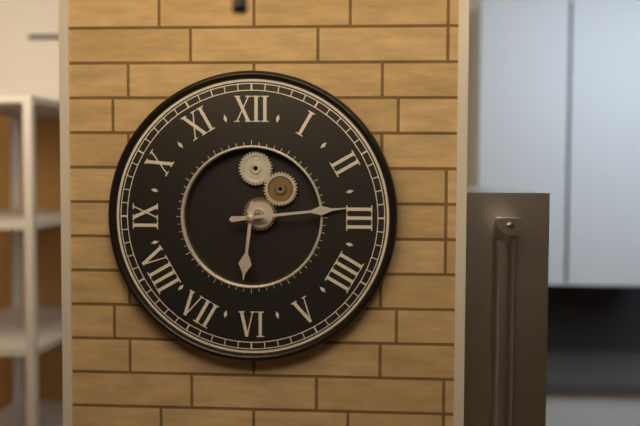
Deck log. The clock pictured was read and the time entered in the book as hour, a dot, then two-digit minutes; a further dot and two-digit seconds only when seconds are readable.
6.14
